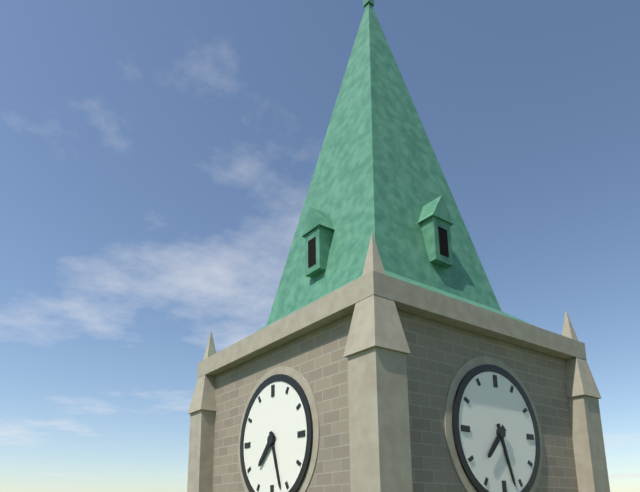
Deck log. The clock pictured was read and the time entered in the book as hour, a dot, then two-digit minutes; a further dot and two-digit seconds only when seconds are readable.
7.27
